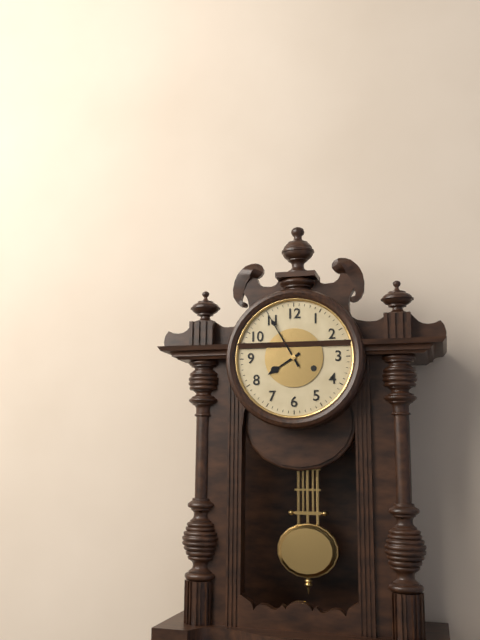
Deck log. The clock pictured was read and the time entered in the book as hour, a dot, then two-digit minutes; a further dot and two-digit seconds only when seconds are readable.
7.55
